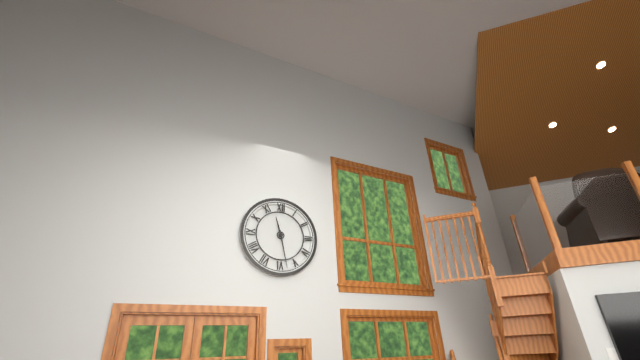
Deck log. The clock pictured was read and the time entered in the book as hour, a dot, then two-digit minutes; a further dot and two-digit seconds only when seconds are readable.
11.28
